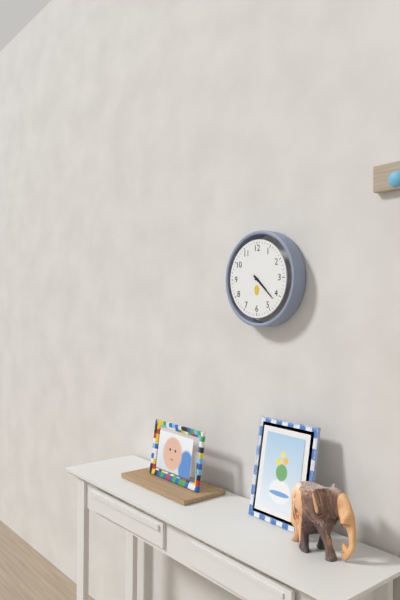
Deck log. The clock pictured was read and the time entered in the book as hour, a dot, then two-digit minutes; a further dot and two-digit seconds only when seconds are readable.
4.22
